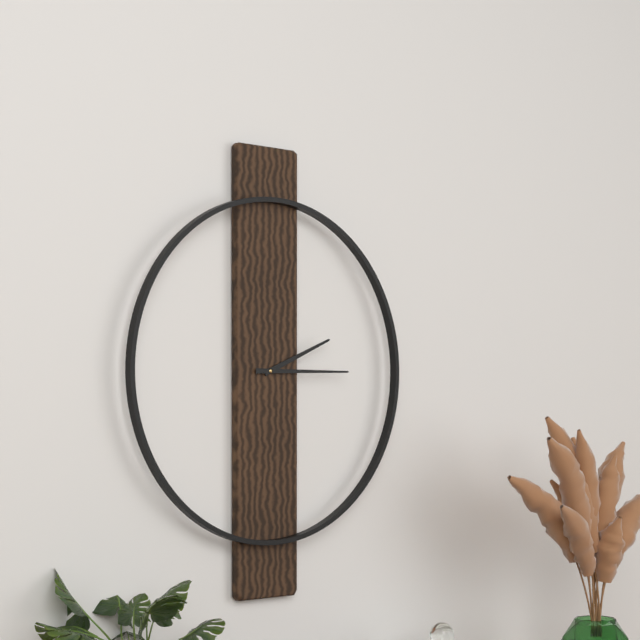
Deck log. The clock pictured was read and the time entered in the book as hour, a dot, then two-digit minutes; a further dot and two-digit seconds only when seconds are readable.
2.15
